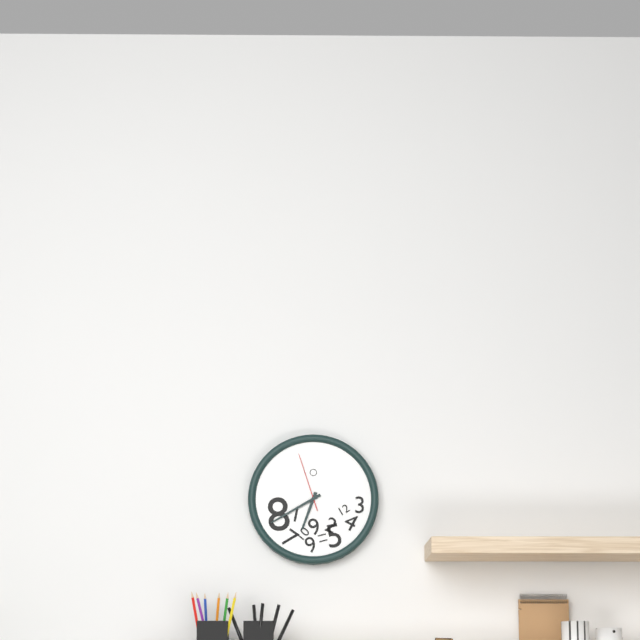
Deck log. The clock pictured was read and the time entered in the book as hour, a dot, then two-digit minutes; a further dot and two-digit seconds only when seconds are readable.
6.40.57
